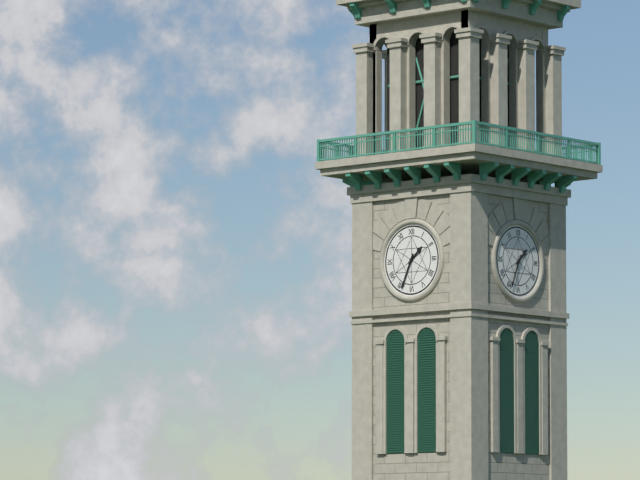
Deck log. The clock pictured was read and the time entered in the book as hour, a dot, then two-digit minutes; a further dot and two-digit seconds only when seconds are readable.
1.34
